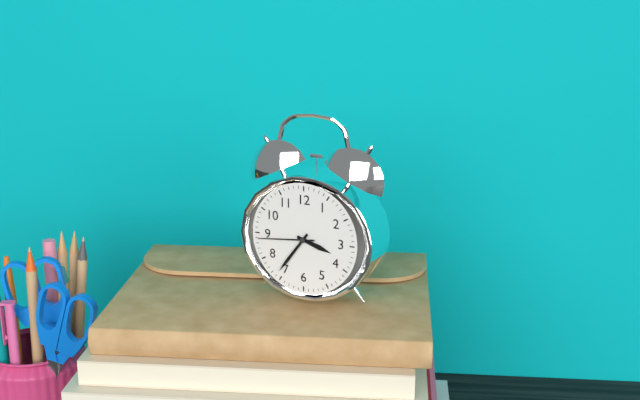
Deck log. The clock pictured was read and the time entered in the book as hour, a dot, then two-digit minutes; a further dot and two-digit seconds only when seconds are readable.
3.36.44
